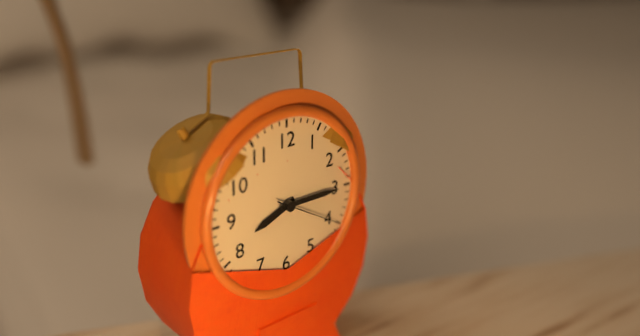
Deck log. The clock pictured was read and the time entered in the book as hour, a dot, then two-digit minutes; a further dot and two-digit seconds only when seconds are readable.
8.15.20
